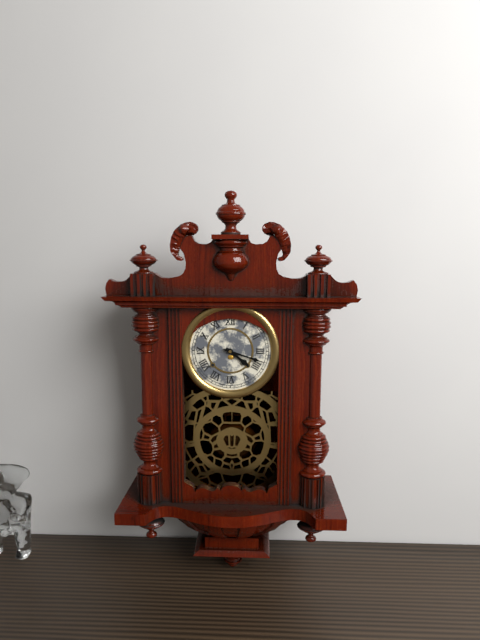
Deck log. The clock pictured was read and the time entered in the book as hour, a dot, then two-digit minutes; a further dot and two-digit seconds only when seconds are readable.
4.18
